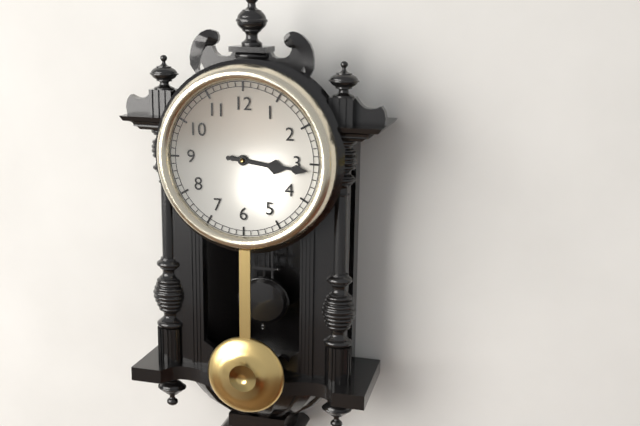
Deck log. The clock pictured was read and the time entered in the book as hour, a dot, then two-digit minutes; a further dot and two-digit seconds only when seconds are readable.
3.16
